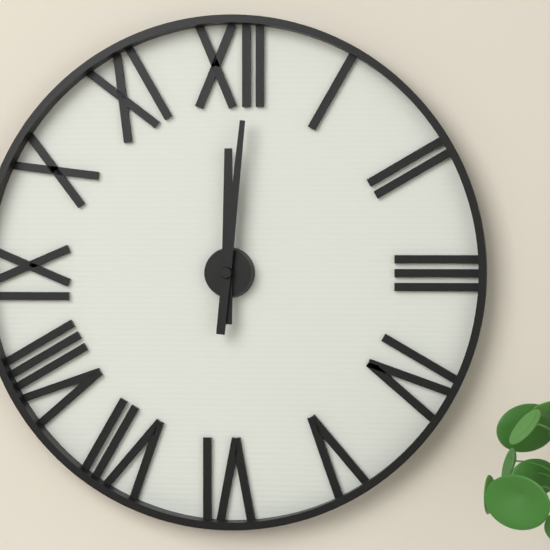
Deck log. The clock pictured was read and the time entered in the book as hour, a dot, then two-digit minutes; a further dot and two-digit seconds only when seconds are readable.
12.01
